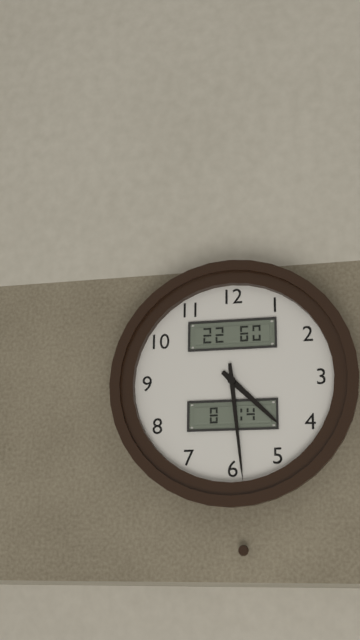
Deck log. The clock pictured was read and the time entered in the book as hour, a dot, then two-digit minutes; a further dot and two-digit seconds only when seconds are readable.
4.29
